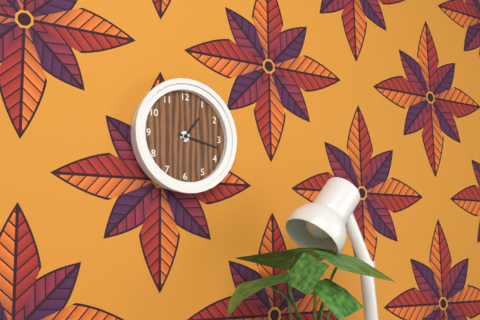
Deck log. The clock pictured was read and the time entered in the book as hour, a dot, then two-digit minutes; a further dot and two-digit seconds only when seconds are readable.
1.17
